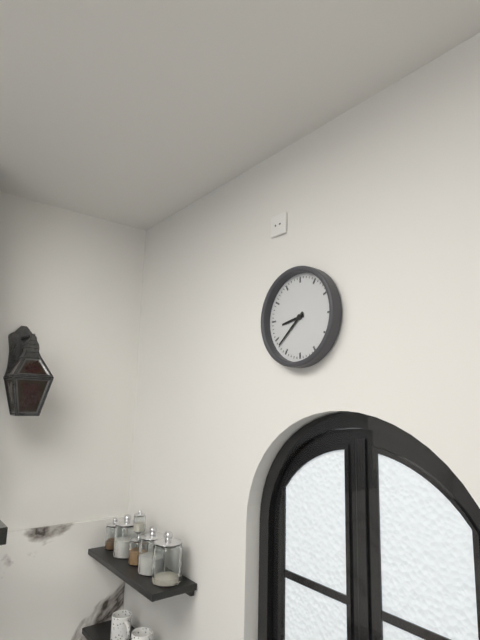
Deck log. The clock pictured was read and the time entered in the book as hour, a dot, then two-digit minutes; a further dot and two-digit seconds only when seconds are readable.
8.38
